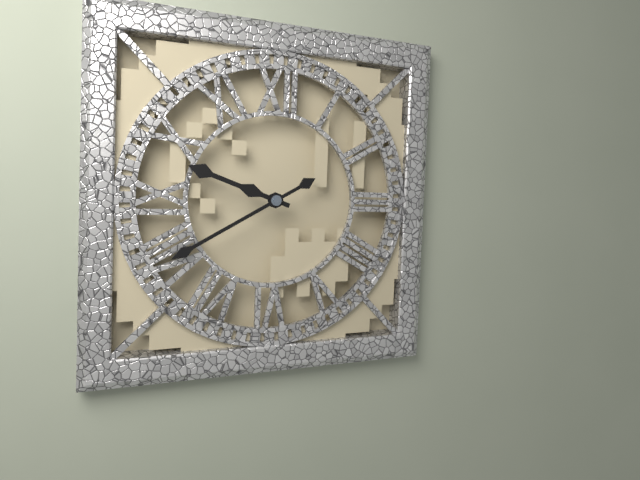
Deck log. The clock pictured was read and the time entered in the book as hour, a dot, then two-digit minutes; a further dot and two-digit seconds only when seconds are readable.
9.40
